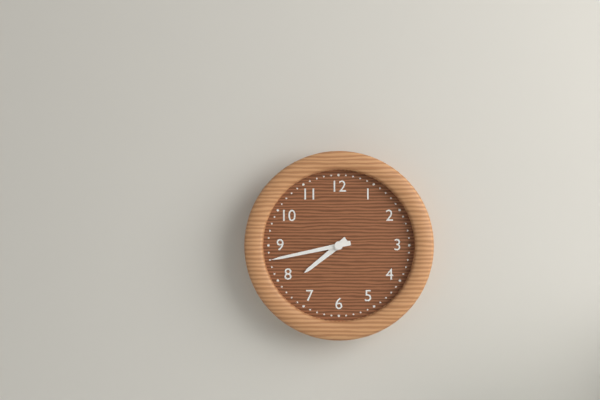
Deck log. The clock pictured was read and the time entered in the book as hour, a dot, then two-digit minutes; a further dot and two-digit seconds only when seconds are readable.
7.43
